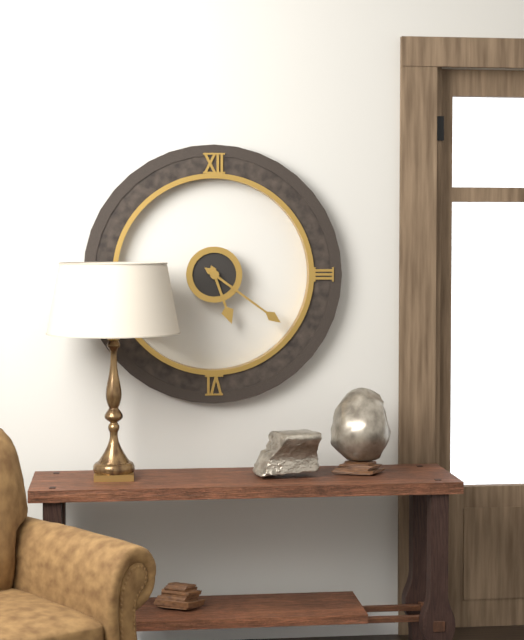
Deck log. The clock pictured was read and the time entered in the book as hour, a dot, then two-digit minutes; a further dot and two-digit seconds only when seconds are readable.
5.21
